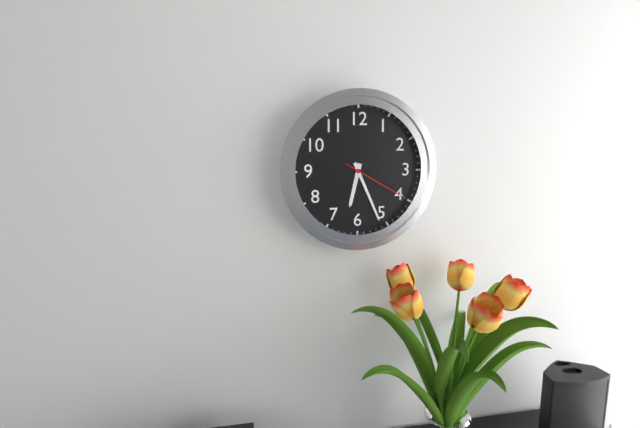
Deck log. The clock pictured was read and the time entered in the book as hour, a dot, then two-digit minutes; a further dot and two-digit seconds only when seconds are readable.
6.26.20
